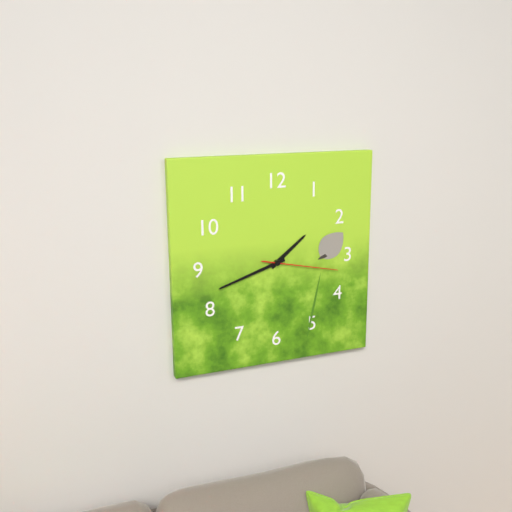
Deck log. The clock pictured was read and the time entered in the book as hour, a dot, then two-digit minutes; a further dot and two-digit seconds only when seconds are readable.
1.42.17
